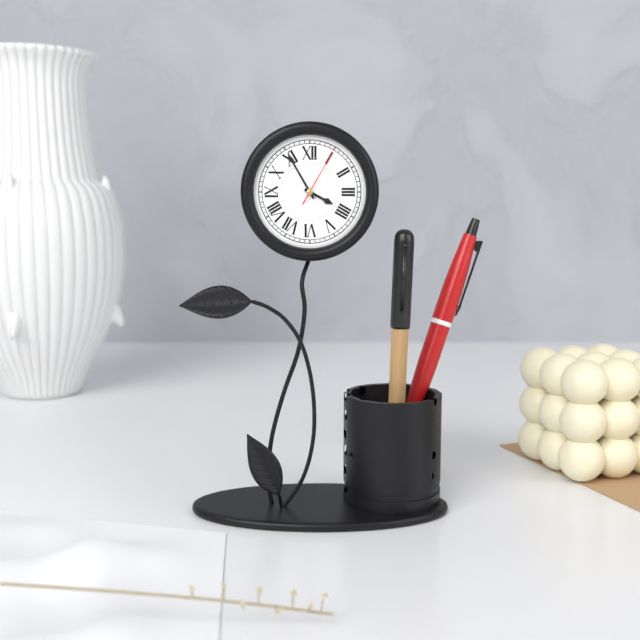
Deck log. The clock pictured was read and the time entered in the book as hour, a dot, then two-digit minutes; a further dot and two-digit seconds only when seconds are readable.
3.55.05
